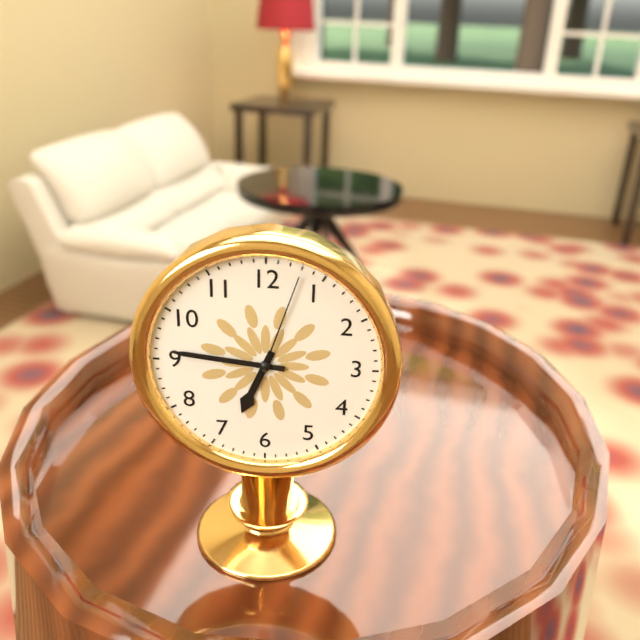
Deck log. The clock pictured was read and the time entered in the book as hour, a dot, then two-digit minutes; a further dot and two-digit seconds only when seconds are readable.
6.46.03
